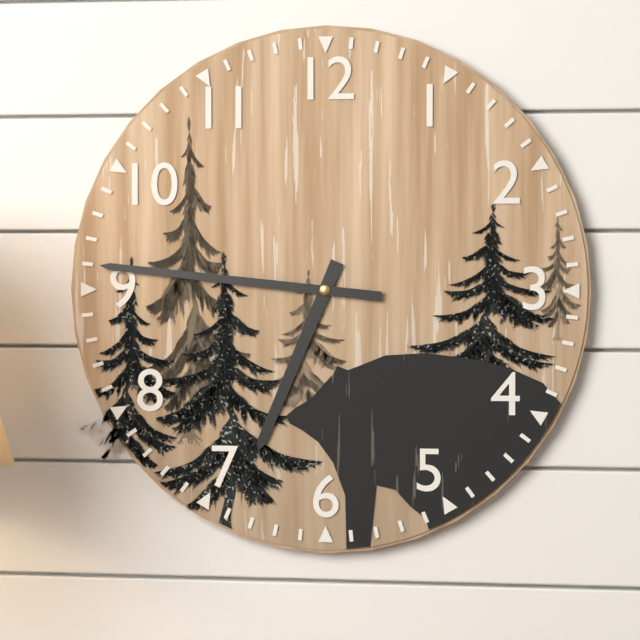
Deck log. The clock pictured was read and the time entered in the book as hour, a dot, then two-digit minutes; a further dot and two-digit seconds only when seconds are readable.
6.46
